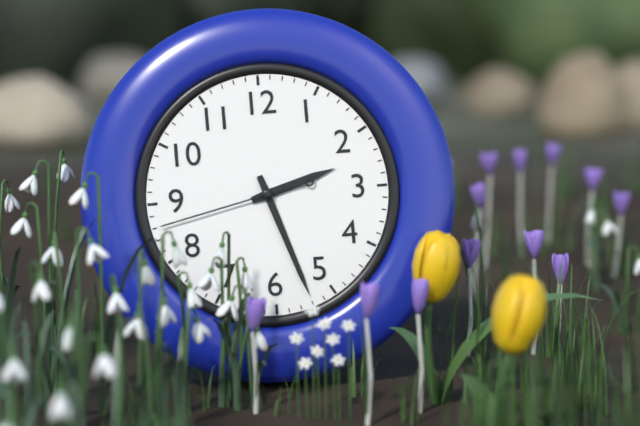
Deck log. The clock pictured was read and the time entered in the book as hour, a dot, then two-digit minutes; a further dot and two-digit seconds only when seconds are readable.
2.27.43
